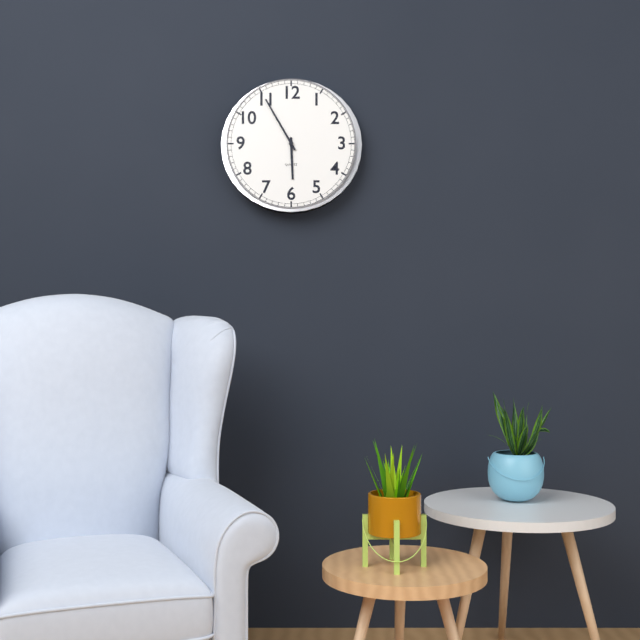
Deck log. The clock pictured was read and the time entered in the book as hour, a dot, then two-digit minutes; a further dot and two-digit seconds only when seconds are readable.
5.55
